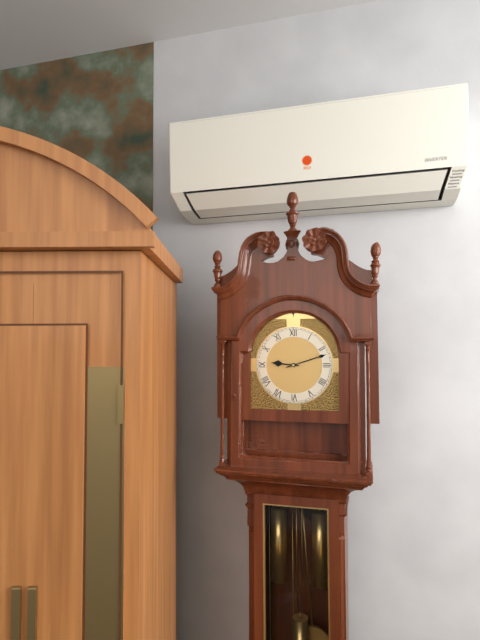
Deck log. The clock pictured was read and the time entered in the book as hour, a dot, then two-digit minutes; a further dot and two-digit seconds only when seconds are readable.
9.12
